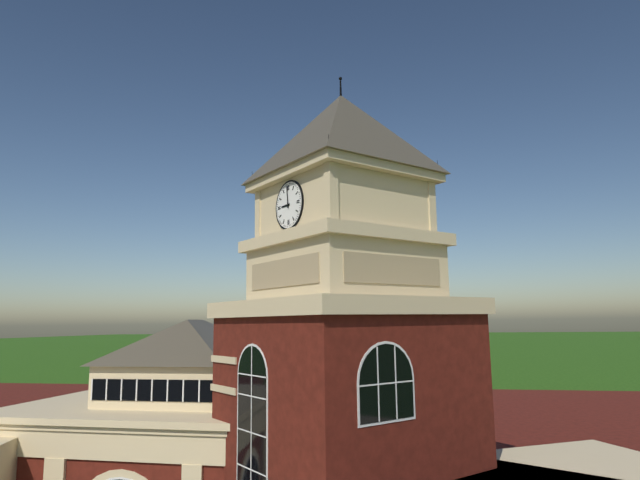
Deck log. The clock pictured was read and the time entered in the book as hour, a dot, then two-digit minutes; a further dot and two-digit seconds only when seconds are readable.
8.59
